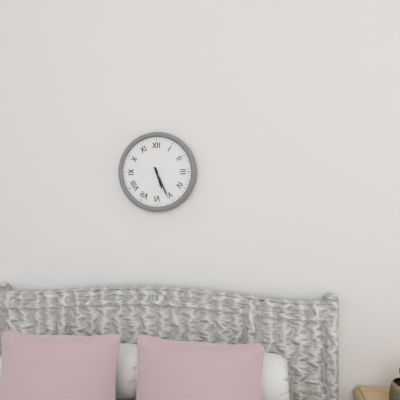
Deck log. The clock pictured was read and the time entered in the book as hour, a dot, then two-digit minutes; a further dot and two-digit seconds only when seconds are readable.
5.26
